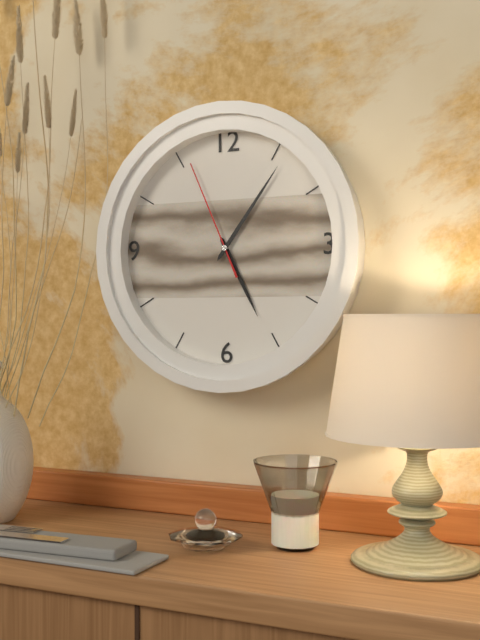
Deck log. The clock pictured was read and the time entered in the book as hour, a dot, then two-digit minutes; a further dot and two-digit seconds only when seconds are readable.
5.06.56
